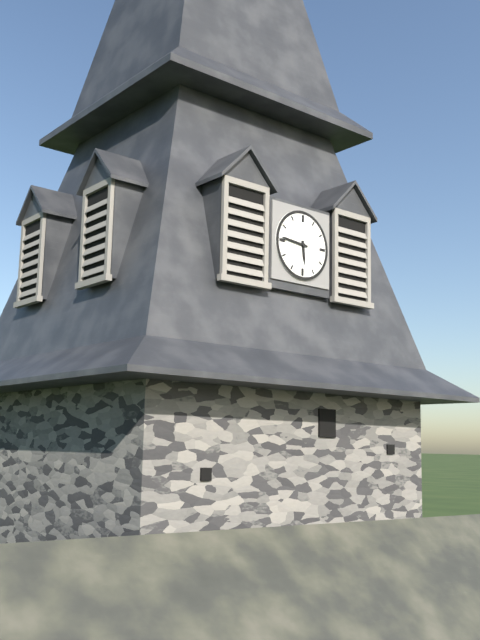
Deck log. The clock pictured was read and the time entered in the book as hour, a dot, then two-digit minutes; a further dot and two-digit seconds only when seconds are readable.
5.46
